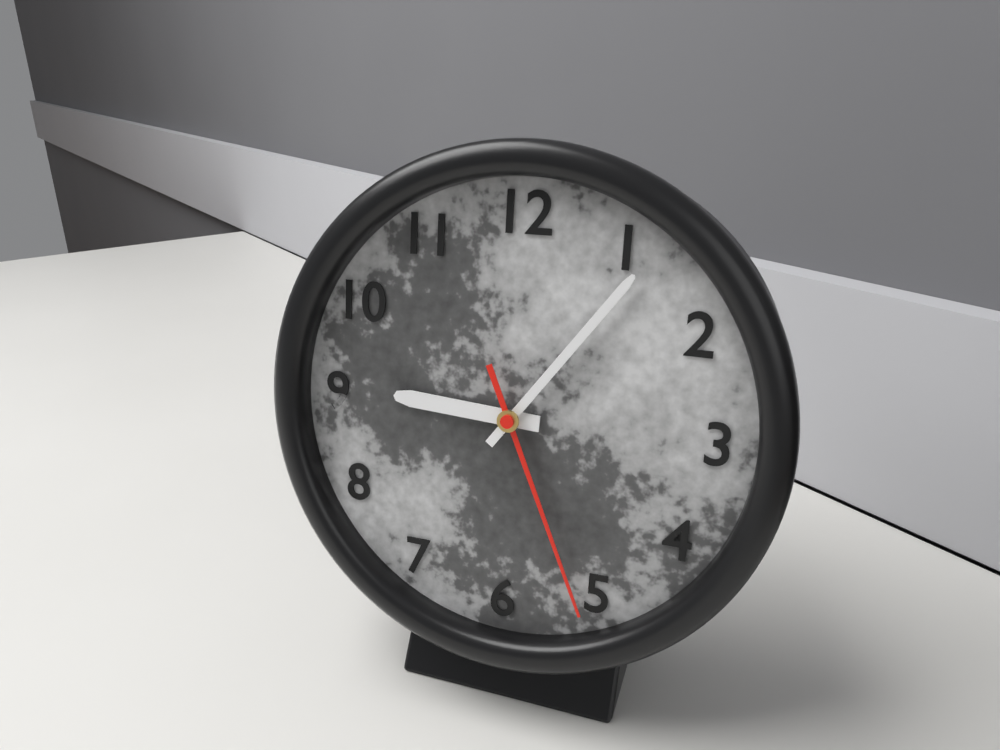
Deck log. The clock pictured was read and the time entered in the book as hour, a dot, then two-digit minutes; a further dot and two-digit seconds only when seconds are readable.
9.06.26
